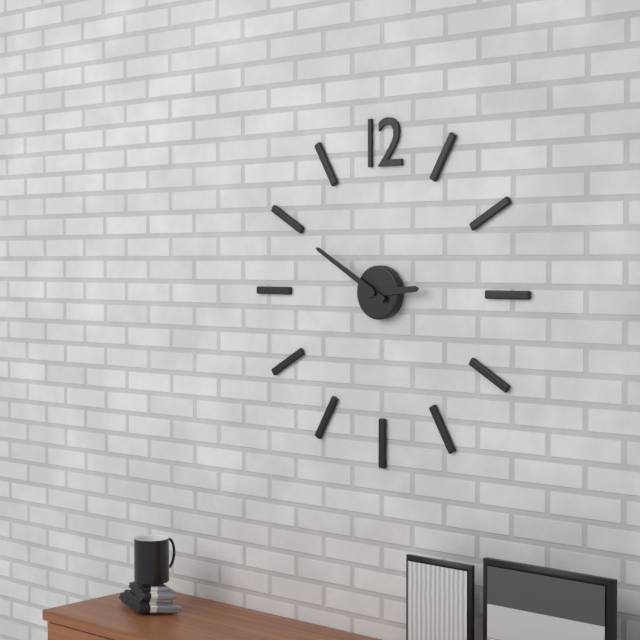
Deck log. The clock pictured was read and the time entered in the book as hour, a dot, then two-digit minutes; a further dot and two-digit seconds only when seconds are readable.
2.50
